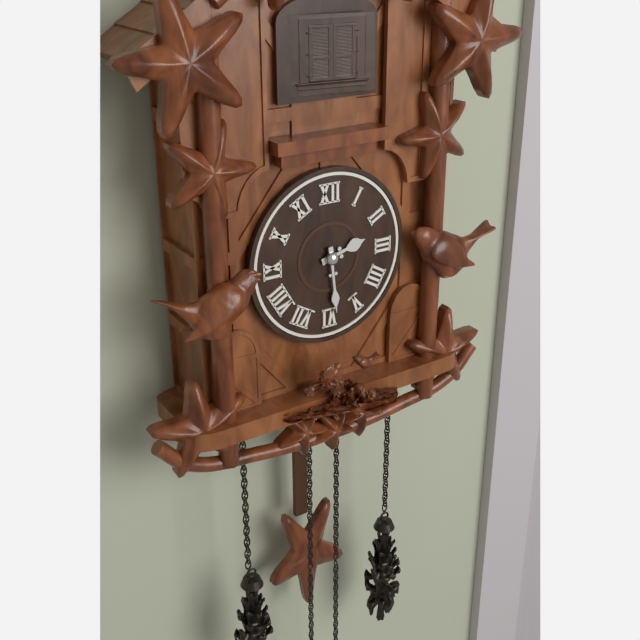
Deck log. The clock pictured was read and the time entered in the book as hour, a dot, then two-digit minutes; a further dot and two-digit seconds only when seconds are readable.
2.29
